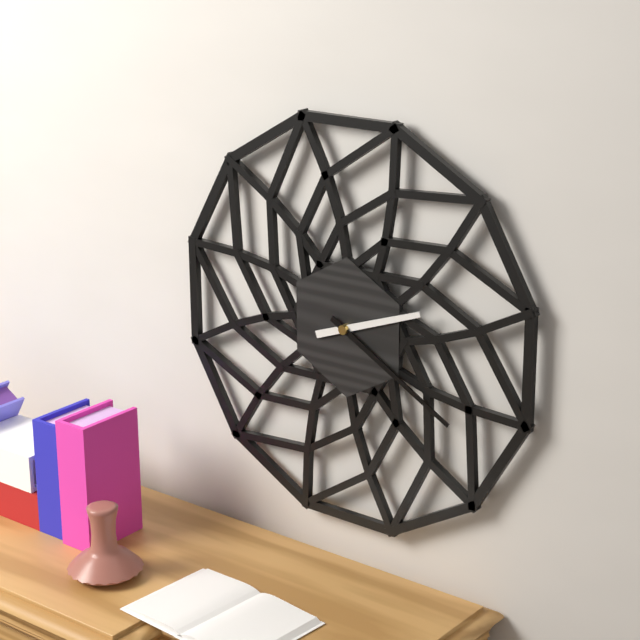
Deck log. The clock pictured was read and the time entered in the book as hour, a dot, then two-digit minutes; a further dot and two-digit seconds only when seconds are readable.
2.20
